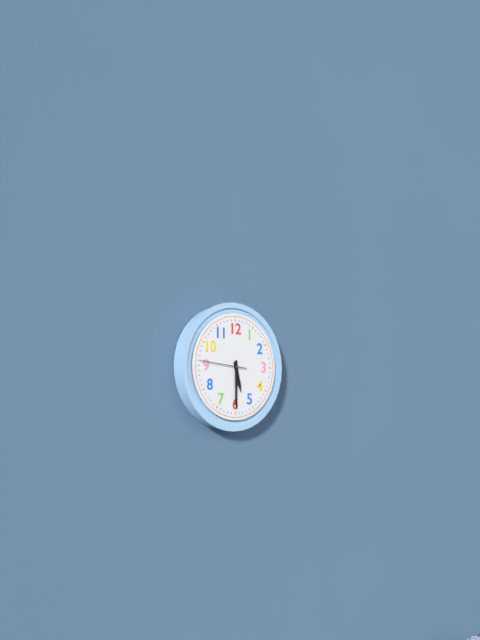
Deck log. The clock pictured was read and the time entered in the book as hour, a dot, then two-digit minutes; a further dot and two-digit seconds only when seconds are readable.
5.30
